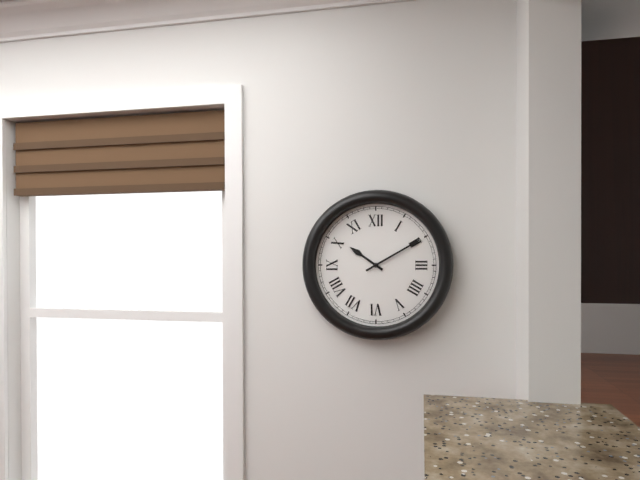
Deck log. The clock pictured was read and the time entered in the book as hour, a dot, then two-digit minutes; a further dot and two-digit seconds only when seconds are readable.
10.10
